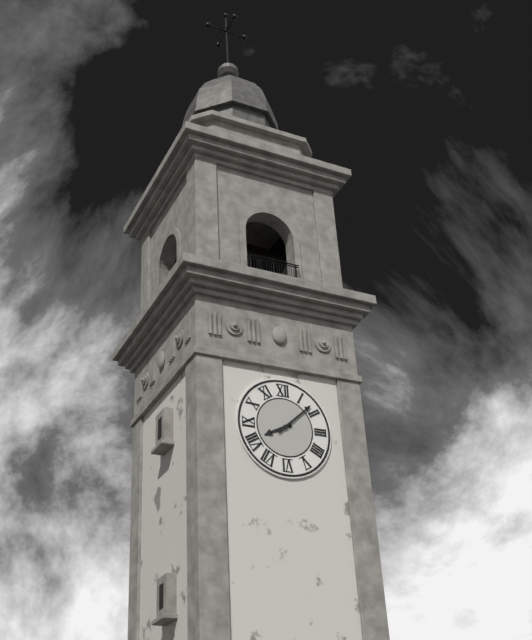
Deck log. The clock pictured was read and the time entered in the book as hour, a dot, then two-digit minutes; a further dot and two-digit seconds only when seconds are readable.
8.08
